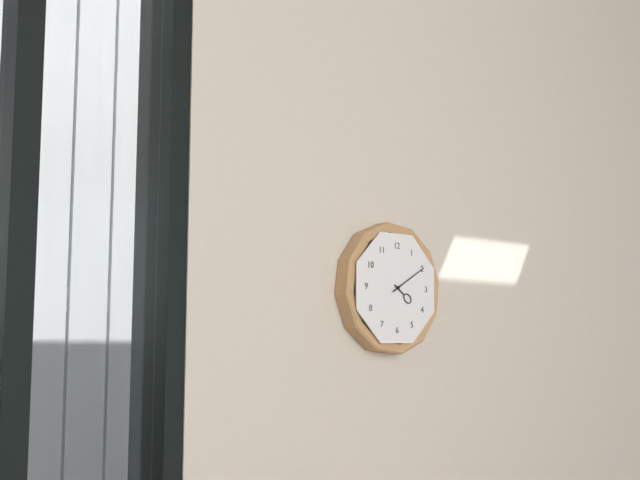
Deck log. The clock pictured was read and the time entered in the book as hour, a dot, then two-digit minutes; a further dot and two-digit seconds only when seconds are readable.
4.10
